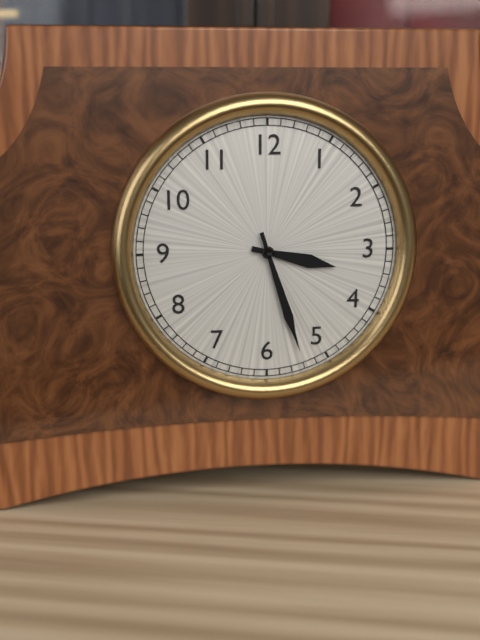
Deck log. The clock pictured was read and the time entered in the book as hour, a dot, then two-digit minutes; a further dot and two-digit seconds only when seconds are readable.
3.27
